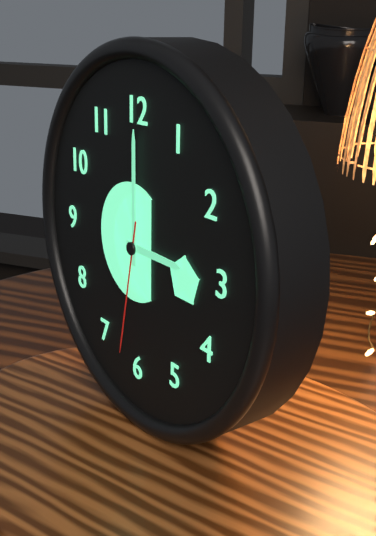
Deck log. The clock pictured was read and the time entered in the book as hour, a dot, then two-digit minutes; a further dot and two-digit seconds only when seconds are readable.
3.00.32
